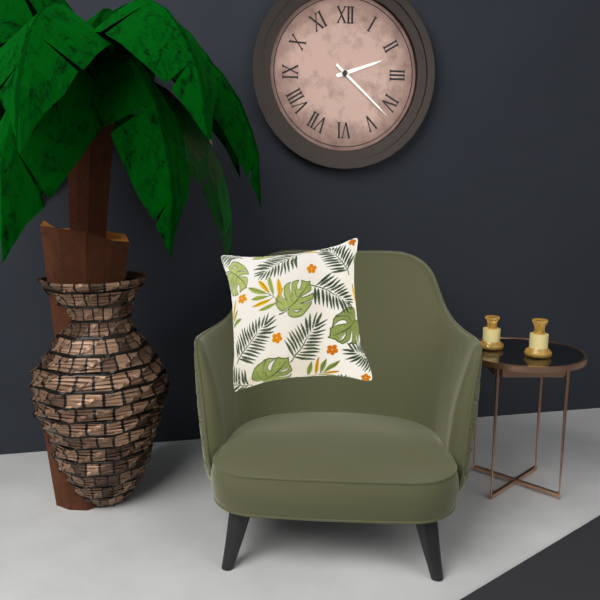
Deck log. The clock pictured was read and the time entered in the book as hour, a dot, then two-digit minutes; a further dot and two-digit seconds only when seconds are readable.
2.22
